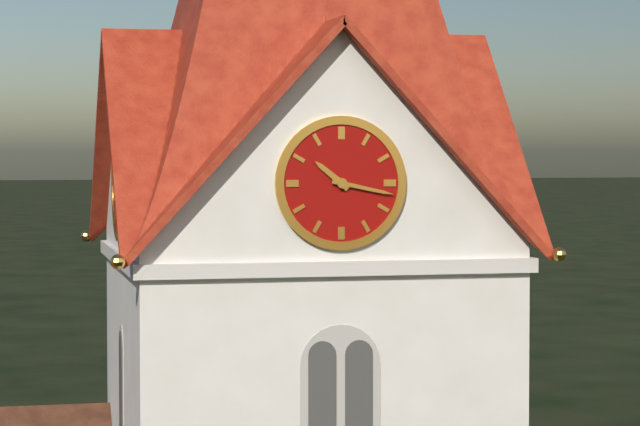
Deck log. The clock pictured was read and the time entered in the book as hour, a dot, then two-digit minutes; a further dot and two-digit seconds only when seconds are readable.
10.17
